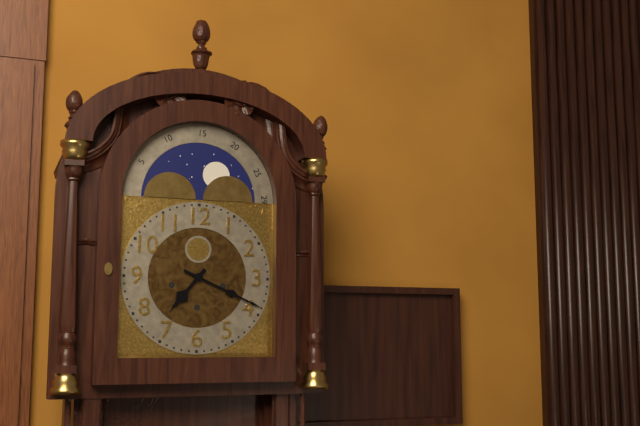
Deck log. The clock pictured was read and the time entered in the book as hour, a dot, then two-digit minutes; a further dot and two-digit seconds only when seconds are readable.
7.19
